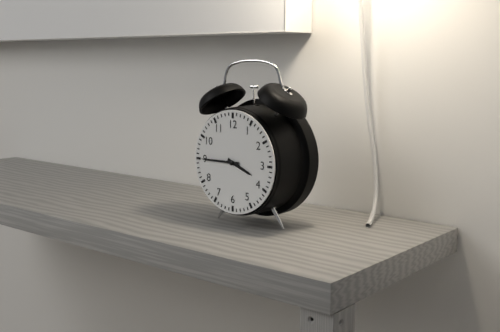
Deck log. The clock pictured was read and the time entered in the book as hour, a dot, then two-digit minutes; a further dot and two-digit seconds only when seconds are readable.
3.45
